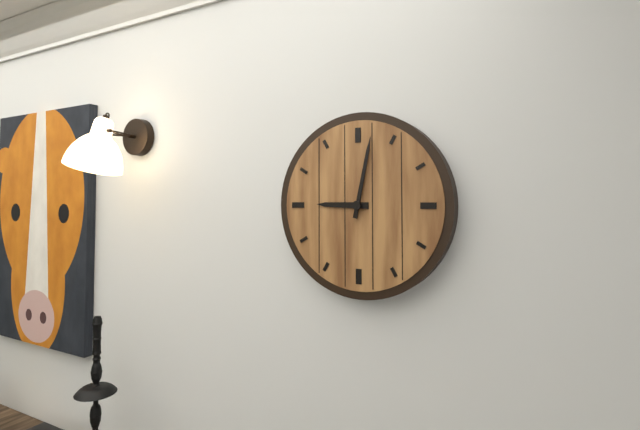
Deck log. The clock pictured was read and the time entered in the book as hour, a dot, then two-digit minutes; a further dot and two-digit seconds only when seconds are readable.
9.02
